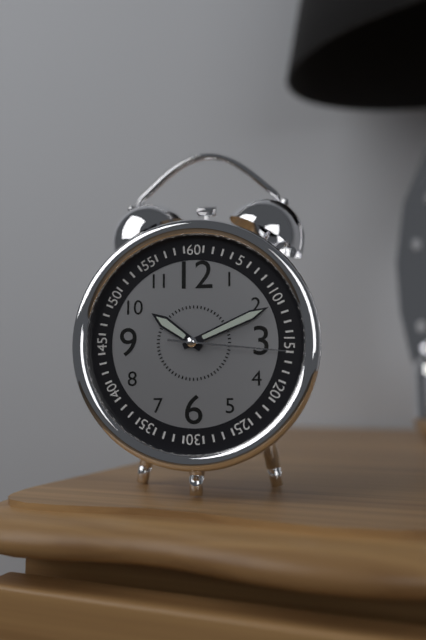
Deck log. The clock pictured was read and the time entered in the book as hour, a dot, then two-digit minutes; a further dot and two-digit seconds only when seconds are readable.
10.11.16
